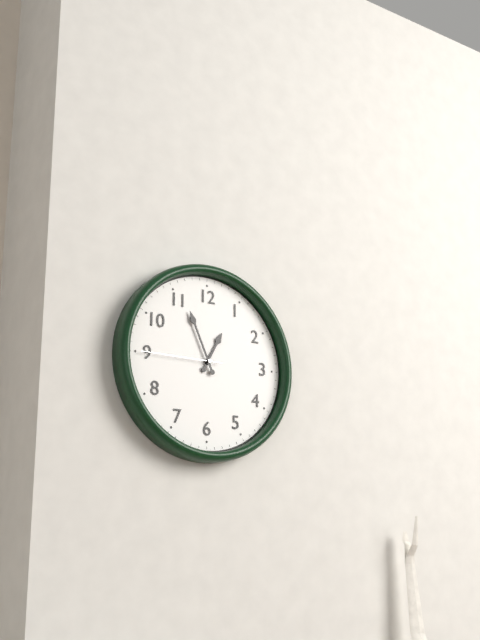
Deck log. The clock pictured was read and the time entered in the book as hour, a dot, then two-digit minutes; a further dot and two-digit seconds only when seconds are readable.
12.56.45
